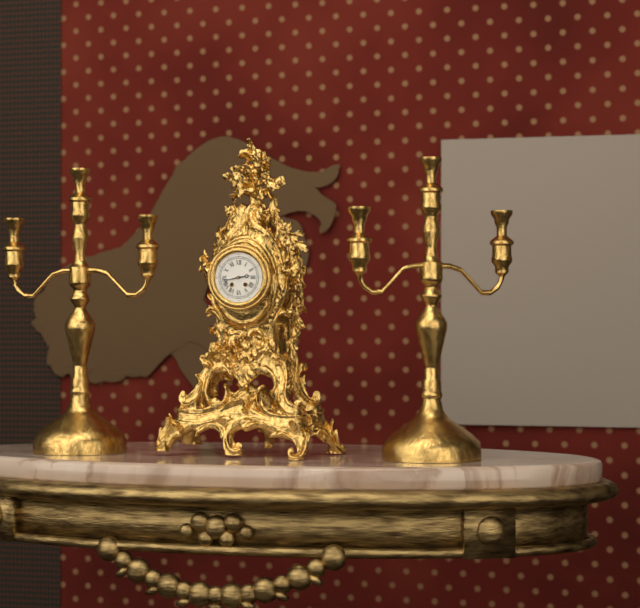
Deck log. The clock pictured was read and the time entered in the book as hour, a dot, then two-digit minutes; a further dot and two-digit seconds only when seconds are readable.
2.43
